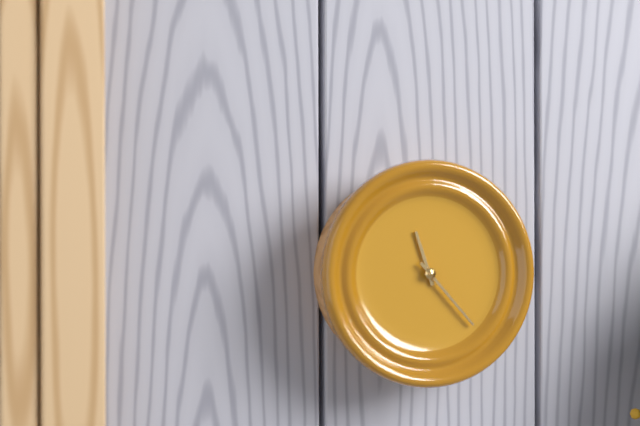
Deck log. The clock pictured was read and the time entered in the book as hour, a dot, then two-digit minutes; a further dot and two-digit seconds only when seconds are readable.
11.23
